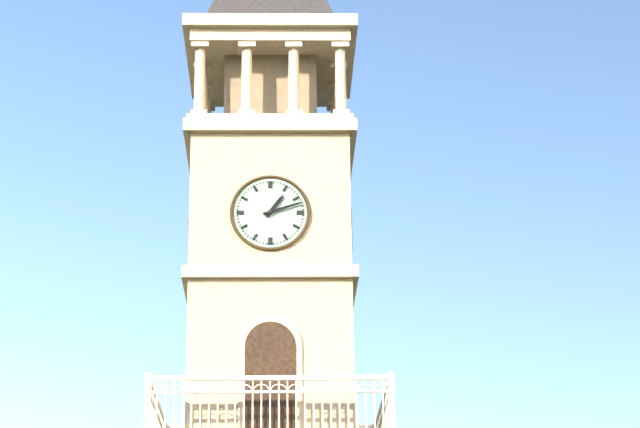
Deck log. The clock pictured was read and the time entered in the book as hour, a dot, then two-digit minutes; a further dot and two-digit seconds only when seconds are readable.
1.12
